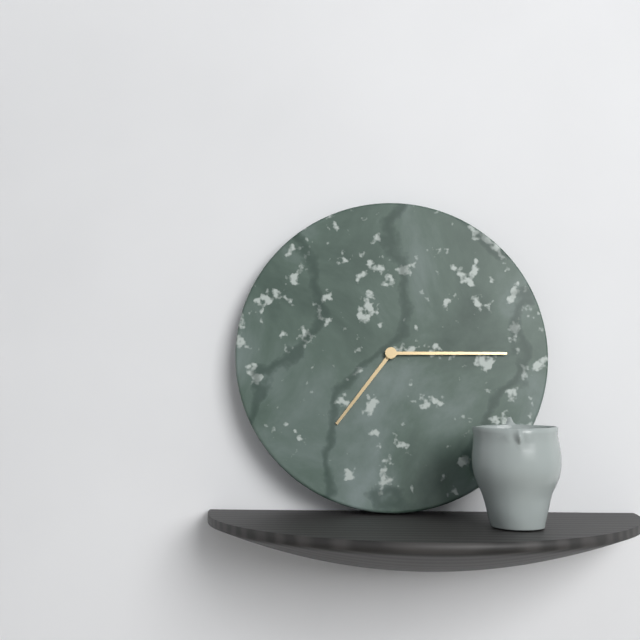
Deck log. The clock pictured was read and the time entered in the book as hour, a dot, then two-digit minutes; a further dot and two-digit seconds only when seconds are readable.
7.15
